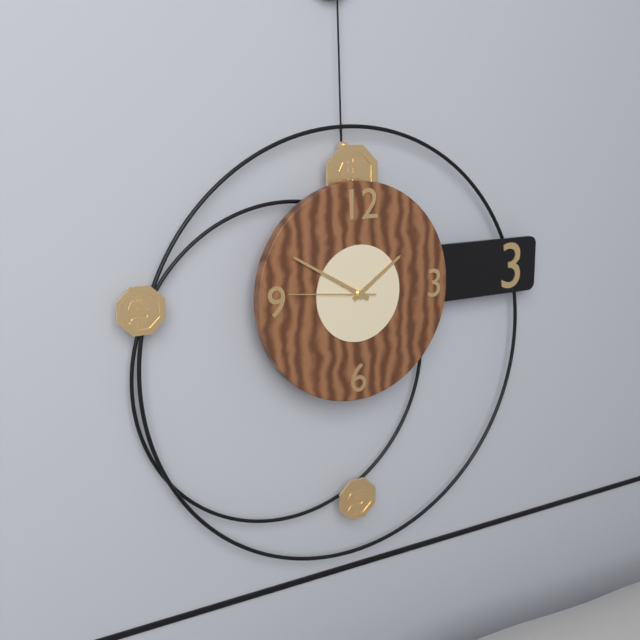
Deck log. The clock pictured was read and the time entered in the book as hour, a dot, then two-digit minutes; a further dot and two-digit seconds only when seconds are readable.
1.50.46
